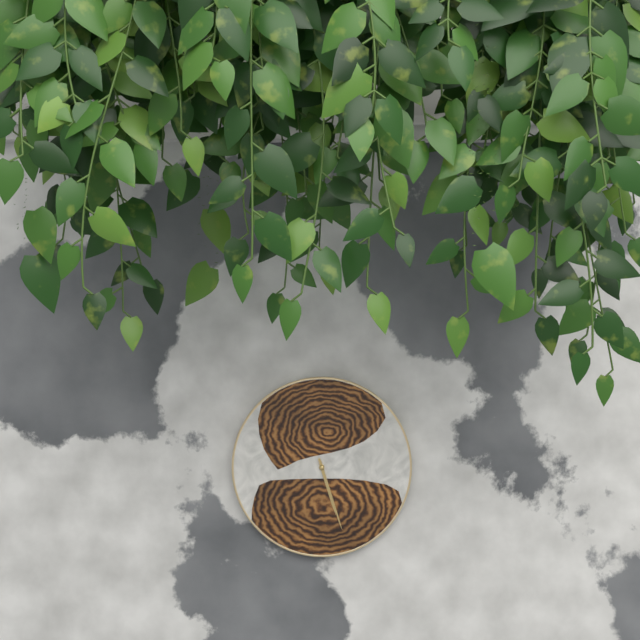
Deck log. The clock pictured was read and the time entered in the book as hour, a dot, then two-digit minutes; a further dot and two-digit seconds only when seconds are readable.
5.27
